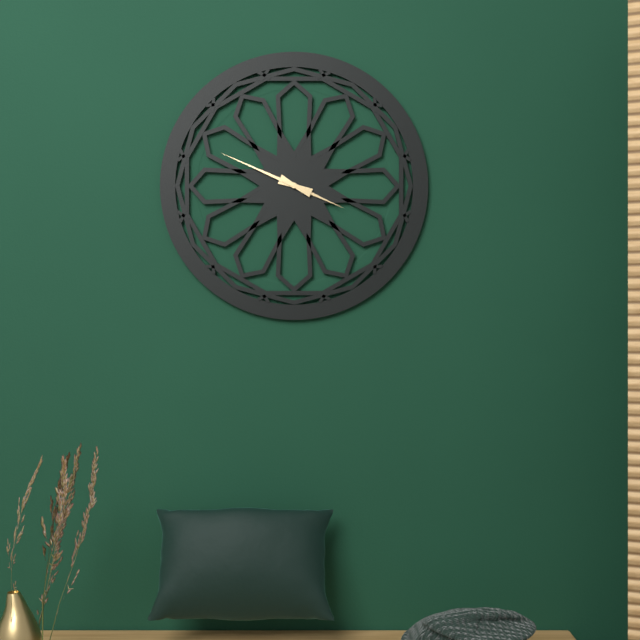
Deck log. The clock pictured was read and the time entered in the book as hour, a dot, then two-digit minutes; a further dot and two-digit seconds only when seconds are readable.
3.49
